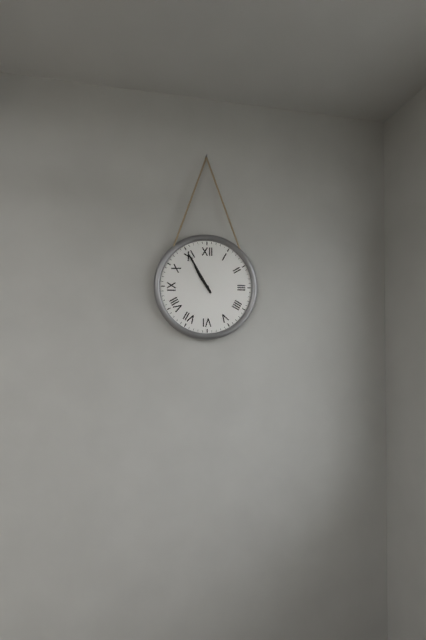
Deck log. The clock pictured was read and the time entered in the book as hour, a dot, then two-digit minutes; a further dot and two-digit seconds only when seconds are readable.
10.55
